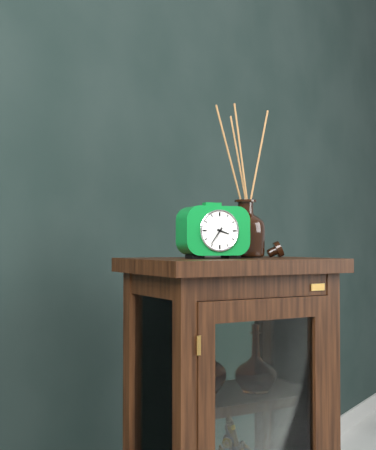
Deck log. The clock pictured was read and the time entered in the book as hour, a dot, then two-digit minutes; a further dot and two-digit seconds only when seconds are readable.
3.36
